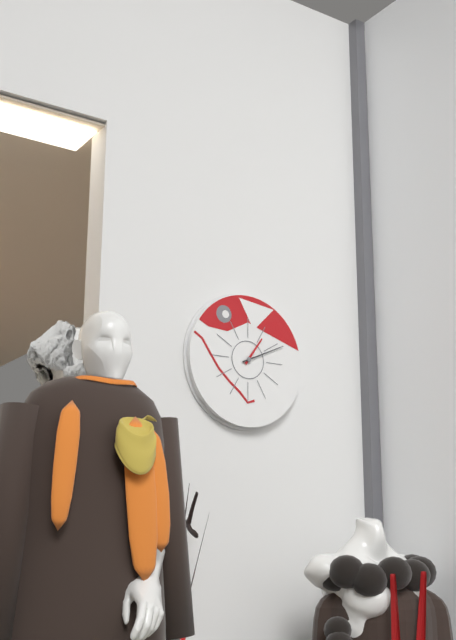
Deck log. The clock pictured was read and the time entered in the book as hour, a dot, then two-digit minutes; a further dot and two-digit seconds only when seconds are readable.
1.11
